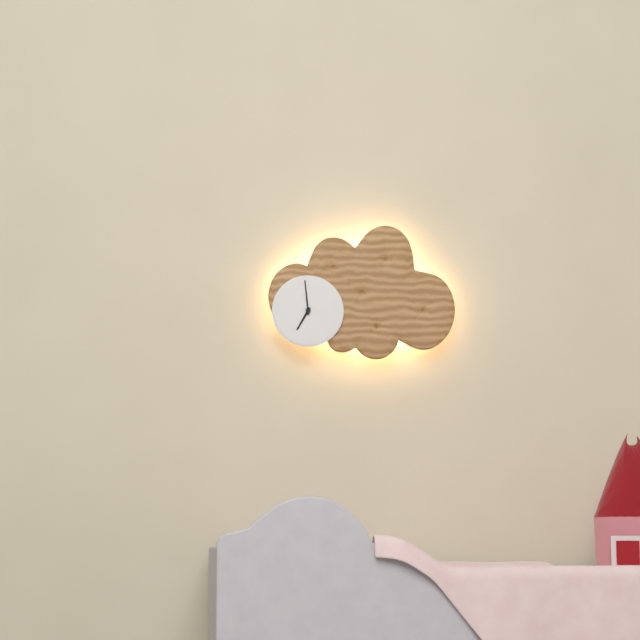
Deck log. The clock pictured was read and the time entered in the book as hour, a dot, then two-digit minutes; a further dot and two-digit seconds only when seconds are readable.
6.59
